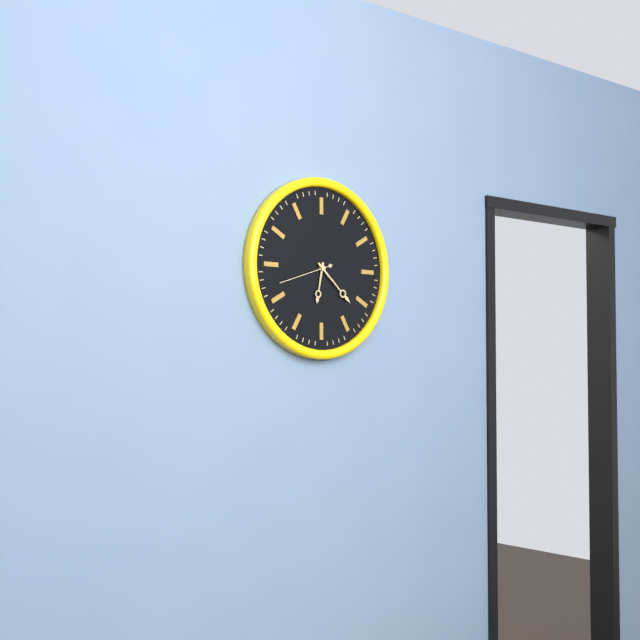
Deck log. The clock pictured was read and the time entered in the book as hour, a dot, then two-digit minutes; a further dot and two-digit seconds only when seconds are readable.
6.22.42
